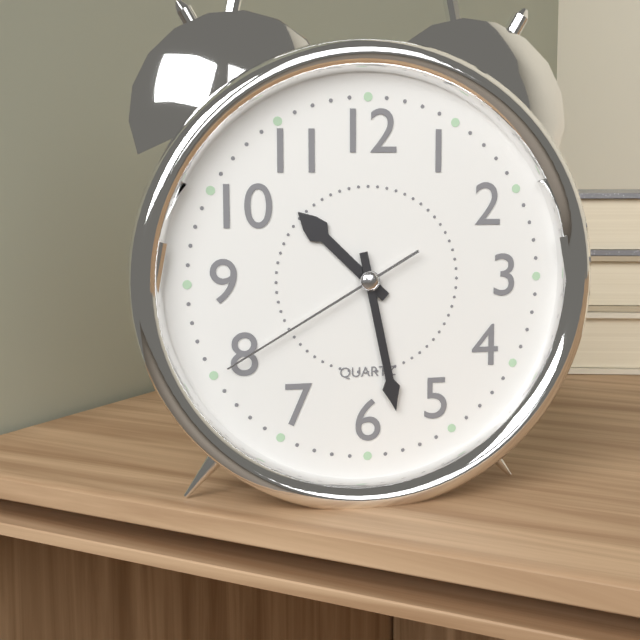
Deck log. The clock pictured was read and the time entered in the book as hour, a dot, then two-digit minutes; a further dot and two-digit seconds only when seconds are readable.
10.28.40
